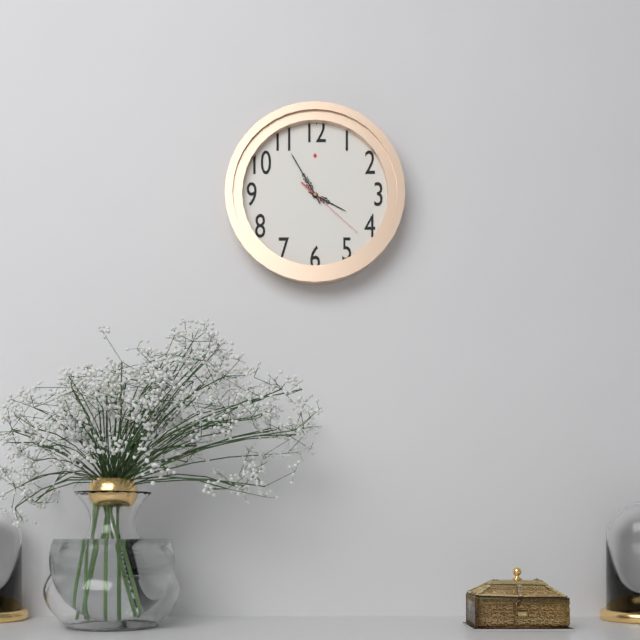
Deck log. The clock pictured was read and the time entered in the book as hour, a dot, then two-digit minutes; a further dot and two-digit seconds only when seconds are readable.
3.55.22
